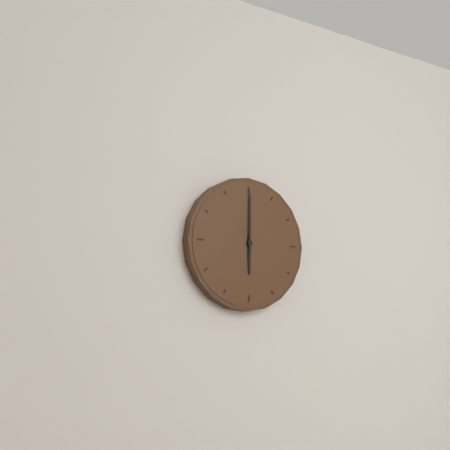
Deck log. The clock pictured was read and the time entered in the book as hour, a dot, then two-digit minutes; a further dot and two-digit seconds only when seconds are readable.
6.00
